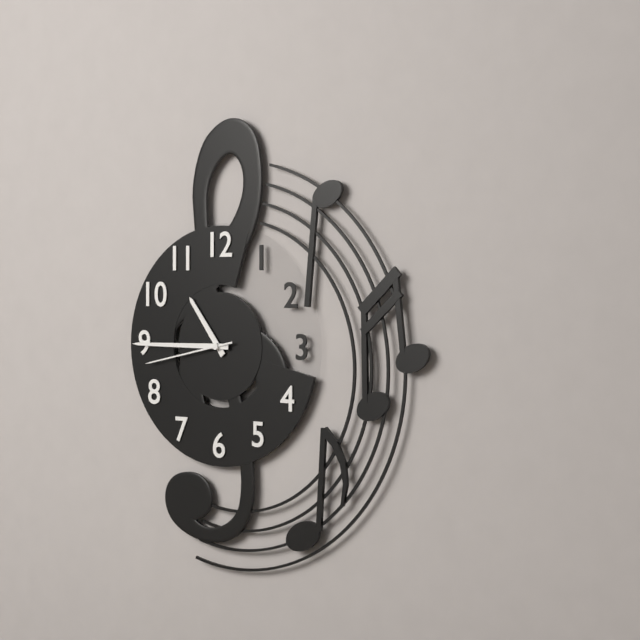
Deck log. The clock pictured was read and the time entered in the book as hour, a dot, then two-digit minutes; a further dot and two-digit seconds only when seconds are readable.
10.45.43
